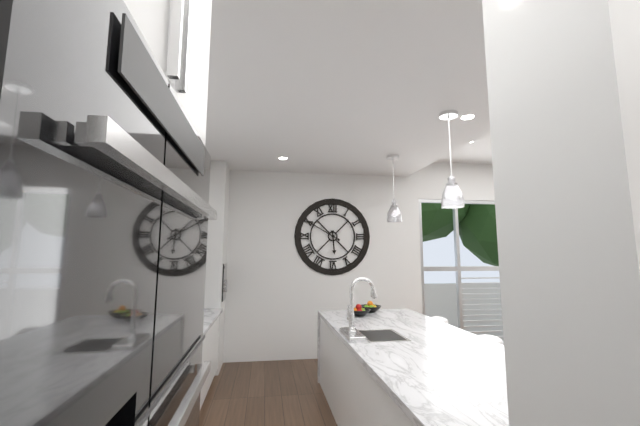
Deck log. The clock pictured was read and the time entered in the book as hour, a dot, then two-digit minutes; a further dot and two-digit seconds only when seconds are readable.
5.50
